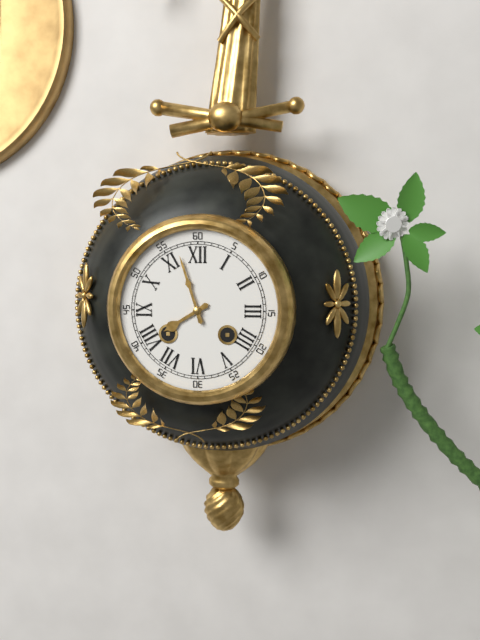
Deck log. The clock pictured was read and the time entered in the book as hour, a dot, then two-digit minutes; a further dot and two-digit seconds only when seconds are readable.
7.57
